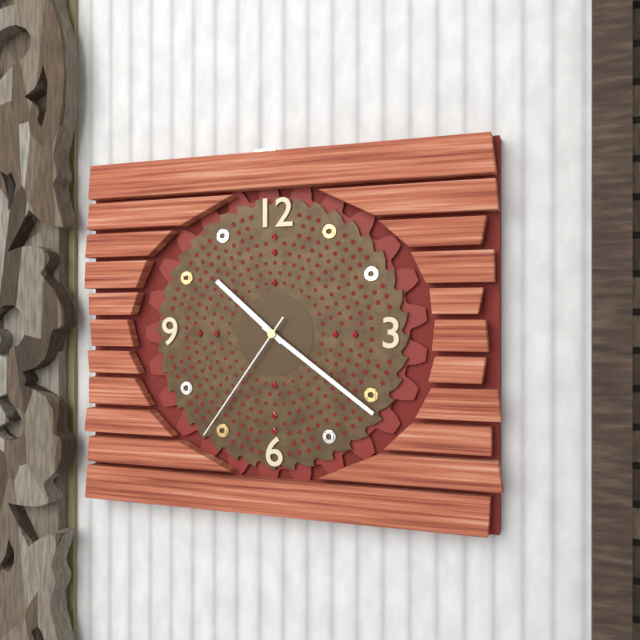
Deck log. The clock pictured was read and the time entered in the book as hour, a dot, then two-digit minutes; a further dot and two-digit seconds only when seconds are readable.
10.21.36
